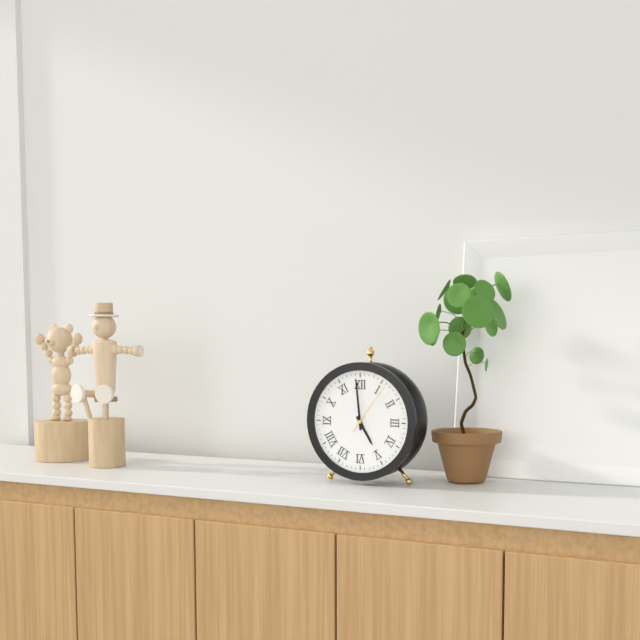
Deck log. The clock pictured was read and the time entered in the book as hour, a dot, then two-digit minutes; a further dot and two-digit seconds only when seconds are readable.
4.59.06
